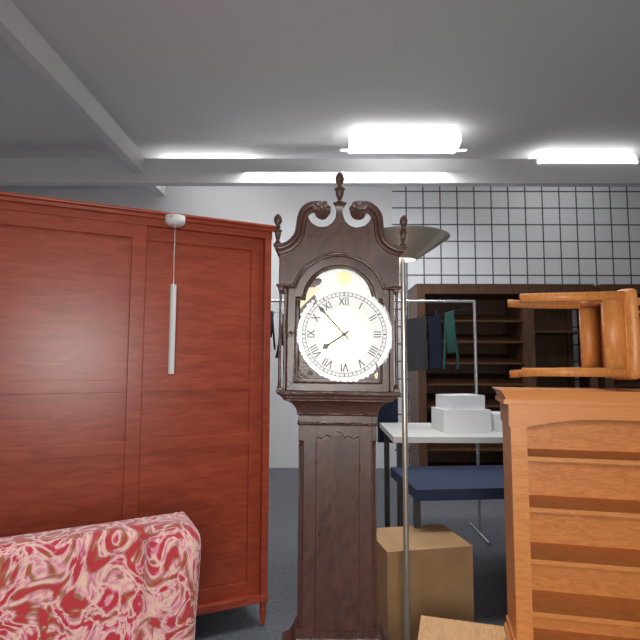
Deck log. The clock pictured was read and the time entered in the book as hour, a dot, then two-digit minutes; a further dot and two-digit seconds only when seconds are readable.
7.53
